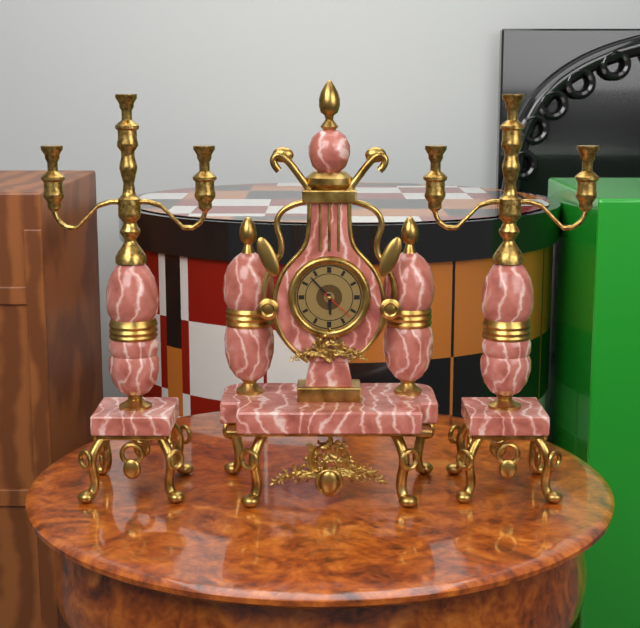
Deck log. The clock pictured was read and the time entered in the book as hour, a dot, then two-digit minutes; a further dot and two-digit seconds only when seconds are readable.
5.53
